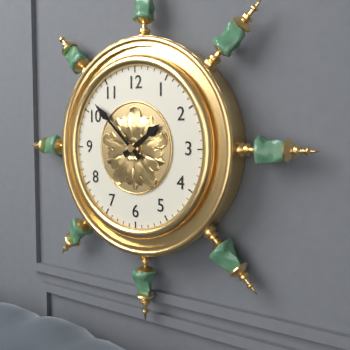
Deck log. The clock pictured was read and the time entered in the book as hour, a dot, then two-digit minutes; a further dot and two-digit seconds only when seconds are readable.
1.52
